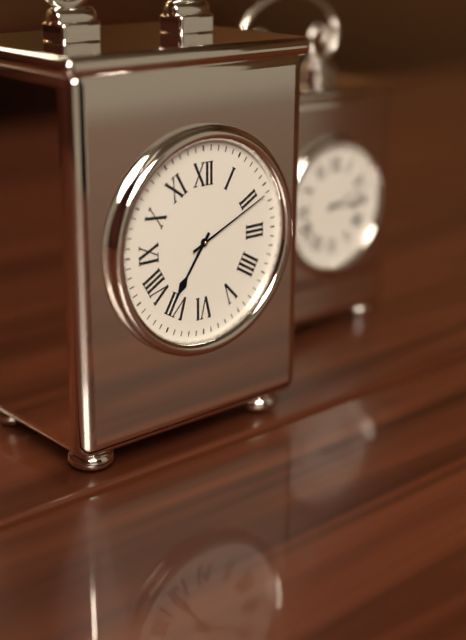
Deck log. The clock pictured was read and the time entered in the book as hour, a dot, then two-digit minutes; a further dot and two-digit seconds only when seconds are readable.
7.11
